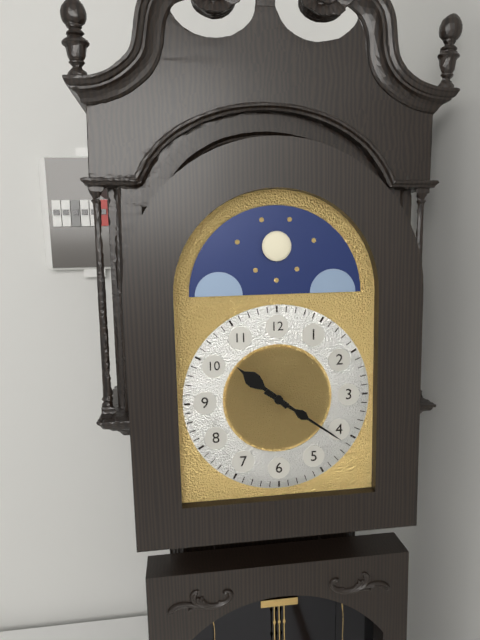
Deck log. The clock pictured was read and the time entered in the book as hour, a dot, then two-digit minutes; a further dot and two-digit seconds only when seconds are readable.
10.21
